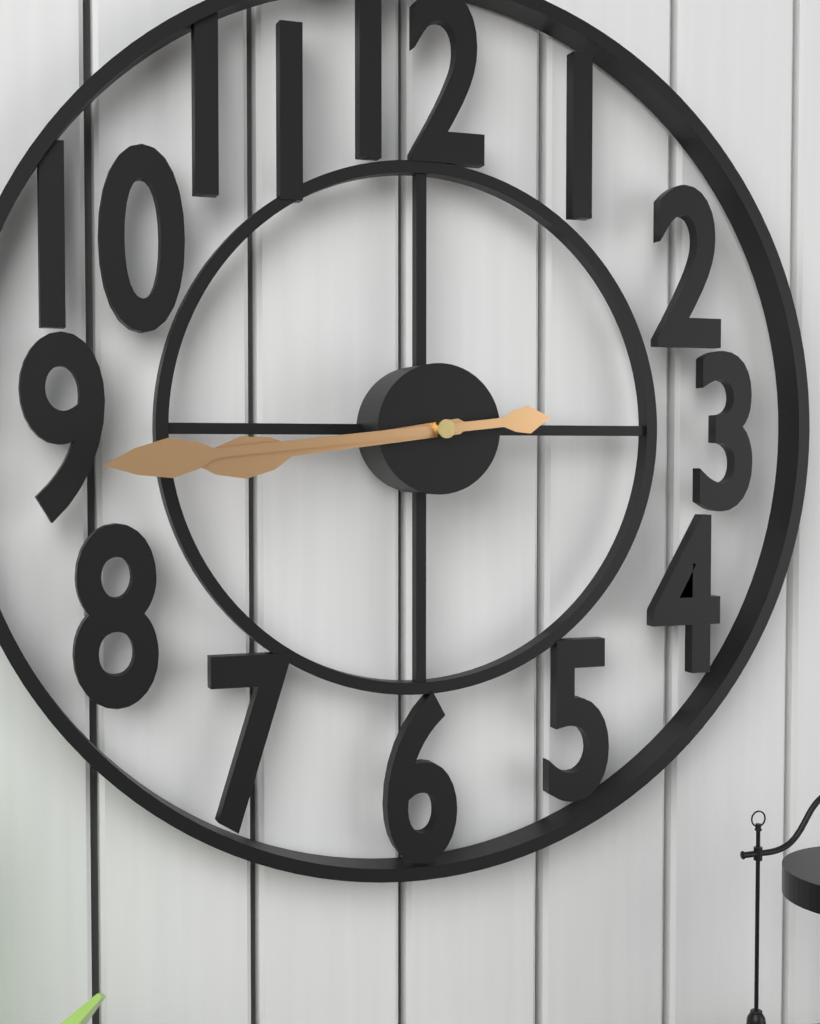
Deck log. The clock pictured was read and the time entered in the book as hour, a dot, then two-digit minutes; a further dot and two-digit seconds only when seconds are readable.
8.44
